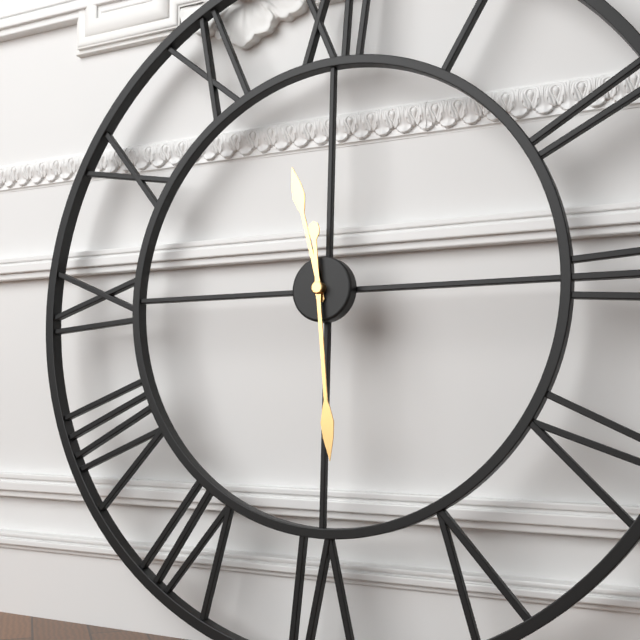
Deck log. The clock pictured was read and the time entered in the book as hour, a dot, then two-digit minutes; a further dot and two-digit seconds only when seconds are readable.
11.29
